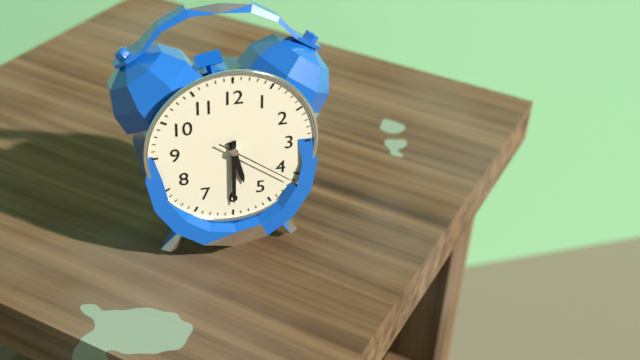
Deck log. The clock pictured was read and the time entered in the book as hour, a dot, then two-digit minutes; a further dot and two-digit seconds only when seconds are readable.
5.30.21
